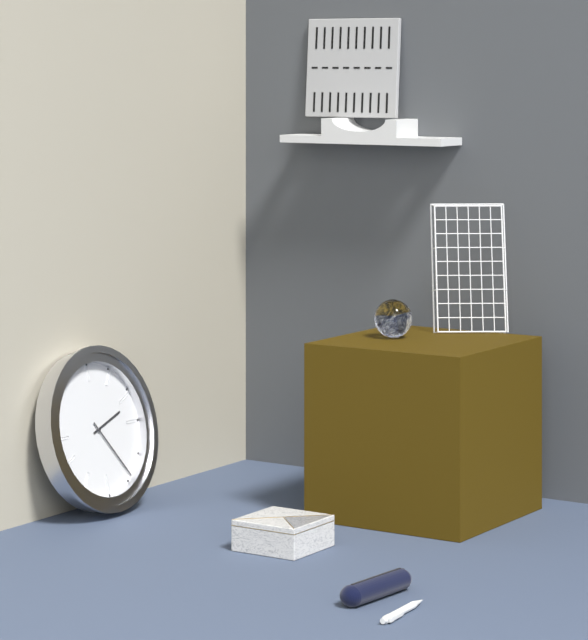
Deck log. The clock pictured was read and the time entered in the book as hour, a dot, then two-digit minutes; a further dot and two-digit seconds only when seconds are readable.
2.24
